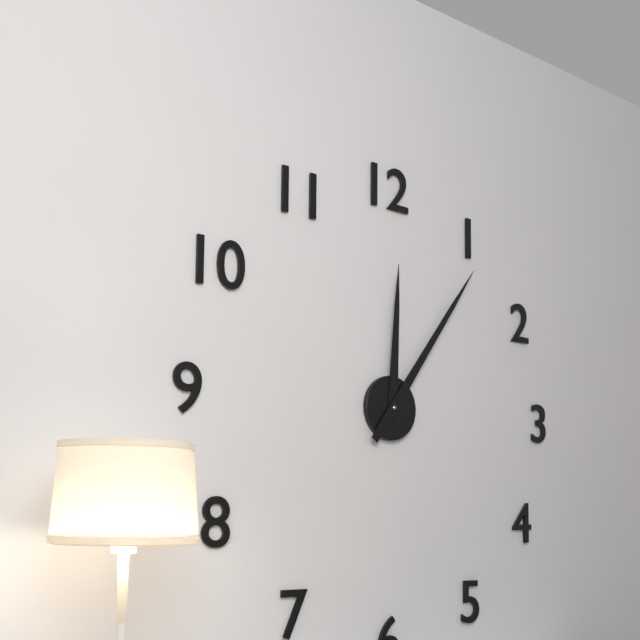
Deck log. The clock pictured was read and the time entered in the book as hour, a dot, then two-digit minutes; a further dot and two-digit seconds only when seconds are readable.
12.06
